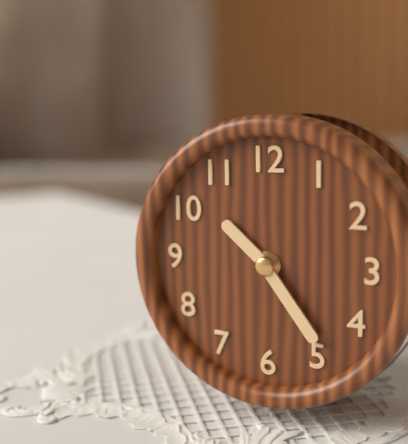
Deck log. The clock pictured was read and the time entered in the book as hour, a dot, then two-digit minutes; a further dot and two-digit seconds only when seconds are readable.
10.24
